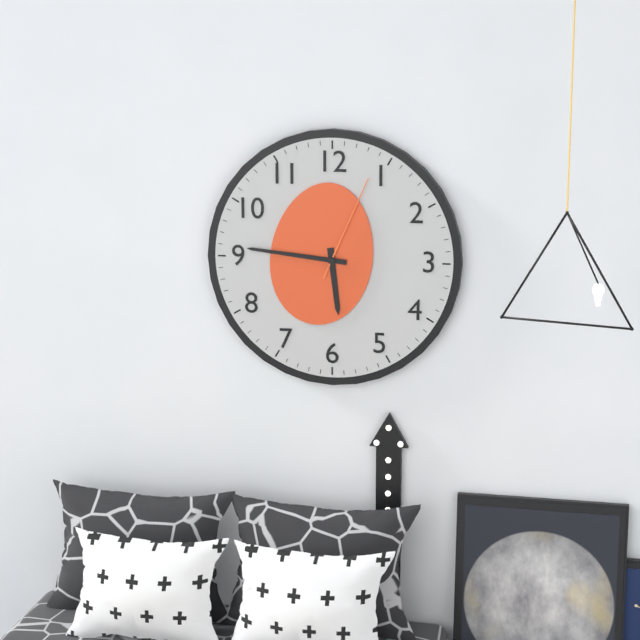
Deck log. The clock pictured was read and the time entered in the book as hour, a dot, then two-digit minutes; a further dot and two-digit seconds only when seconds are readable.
5.46.04
